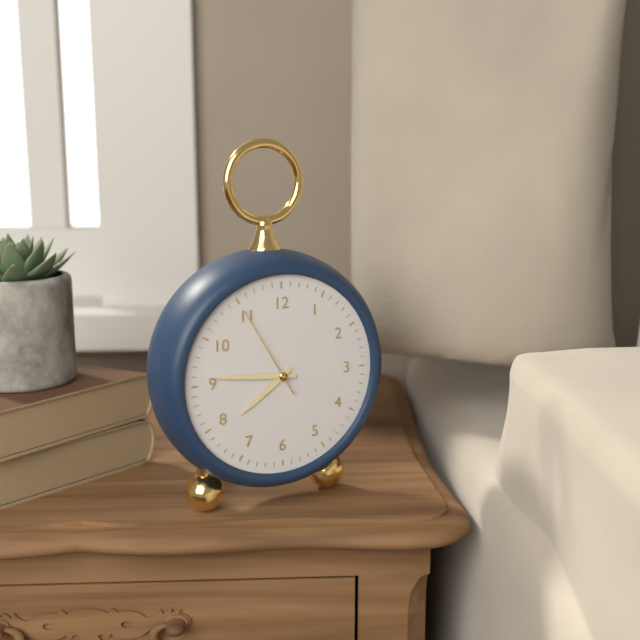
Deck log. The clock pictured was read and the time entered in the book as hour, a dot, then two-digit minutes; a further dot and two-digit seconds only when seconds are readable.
7.46.55
